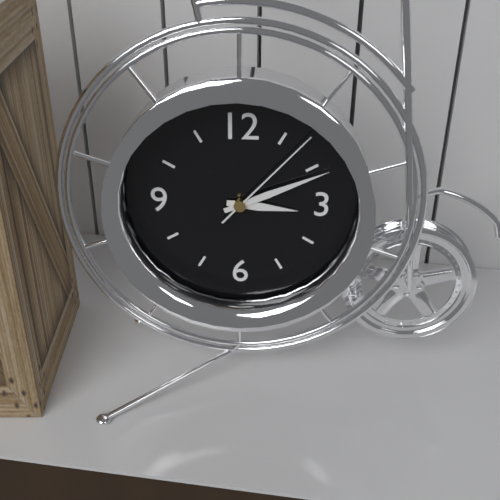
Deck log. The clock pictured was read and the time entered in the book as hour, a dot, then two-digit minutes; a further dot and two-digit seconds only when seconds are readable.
3.11.07
